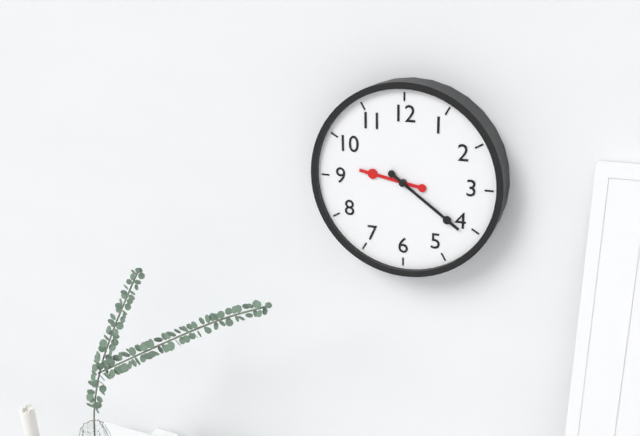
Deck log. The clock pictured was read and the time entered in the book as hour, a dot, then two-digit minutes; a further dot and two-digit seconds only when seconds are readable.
9.21
